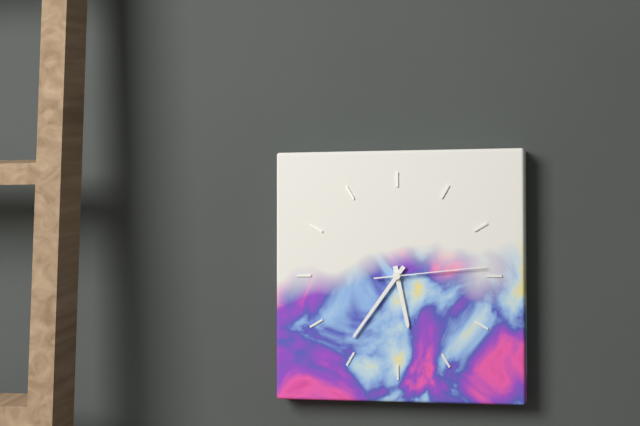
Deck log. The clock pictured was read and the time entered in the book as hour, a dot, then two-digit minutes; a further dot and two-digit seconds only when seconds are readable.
5.36.14
